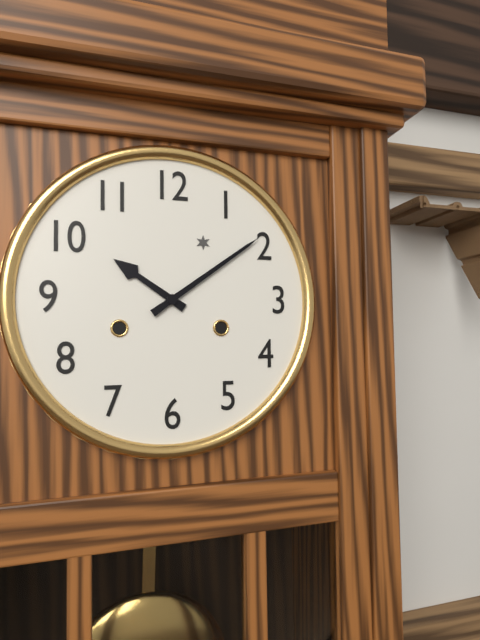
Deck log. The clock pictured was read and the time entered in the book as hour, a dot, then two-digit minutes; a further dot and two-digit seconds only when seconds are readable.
10.09
